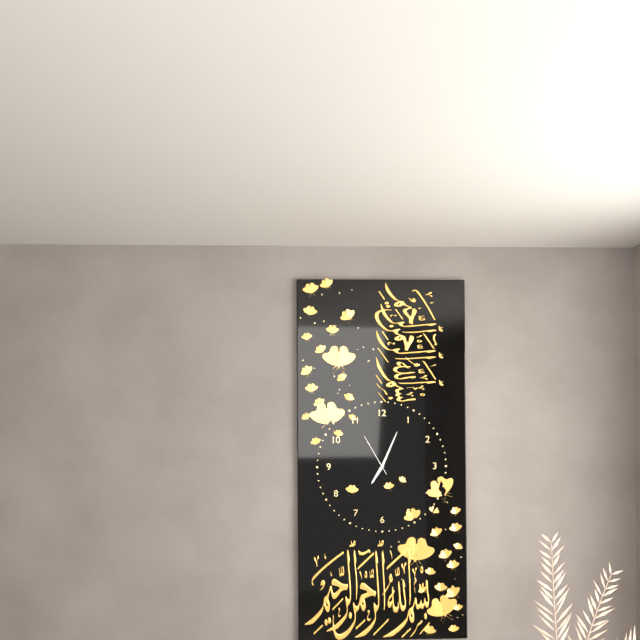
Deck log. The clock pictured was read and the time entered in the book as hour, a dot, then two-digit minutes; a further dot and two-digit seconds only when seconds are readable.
7.04
